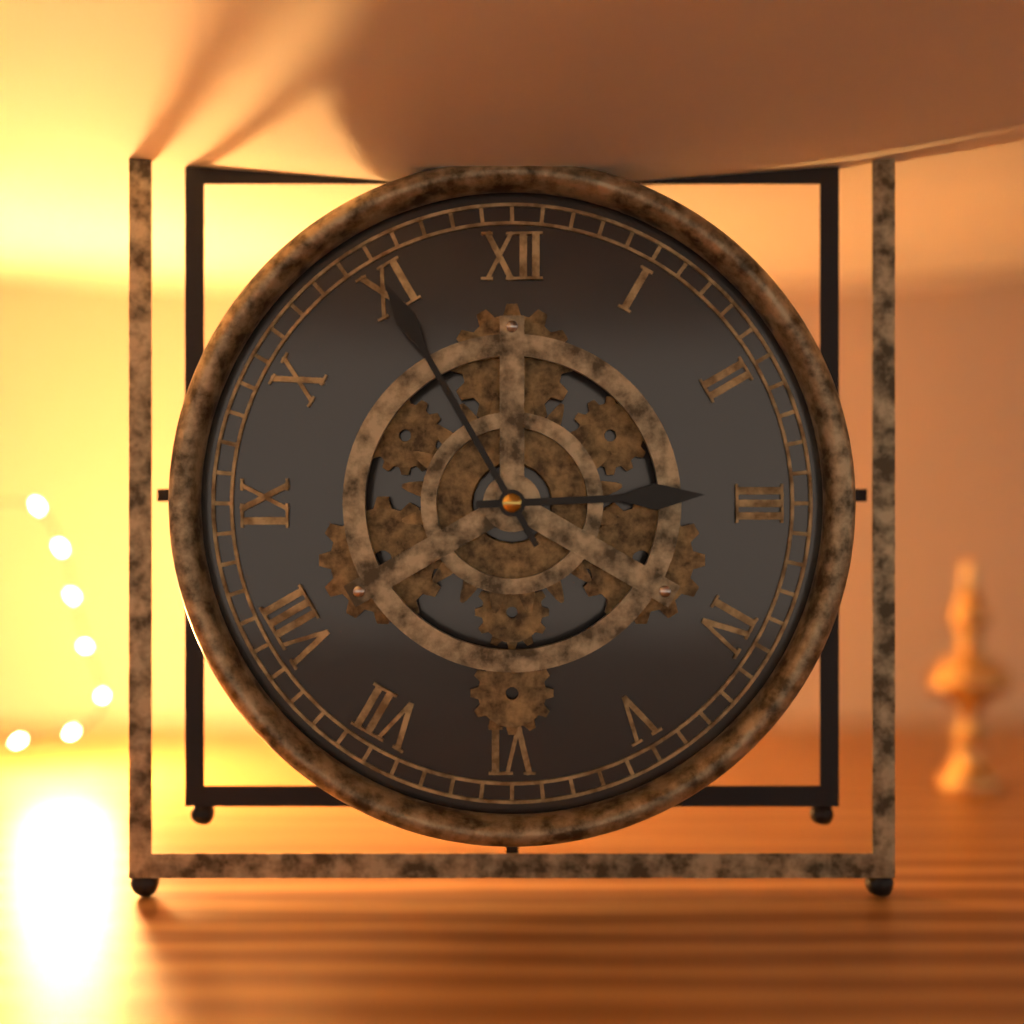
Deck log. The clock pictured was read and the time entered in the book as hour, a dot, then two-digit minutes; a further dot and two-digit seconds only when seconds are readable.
2.55
